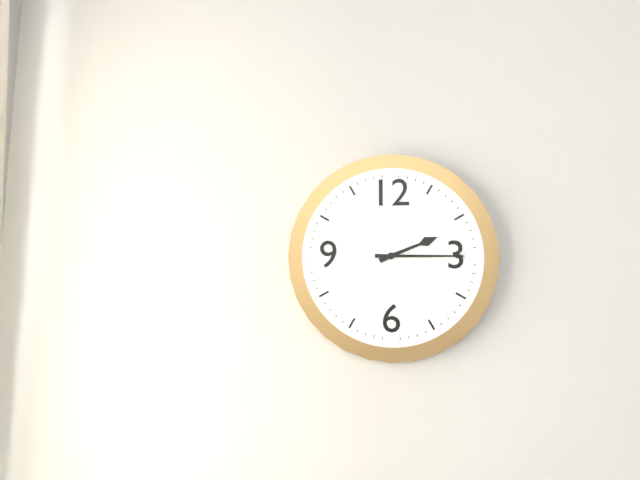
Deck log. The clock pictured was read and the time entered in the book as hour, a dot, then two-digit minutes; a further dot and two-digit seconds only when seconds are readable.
2.15
